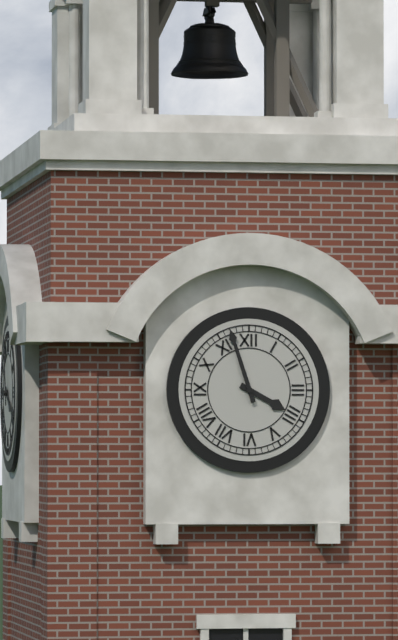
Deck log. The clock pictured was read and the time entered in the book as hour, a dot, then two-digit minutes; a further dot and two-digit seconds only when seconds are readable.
3.57
